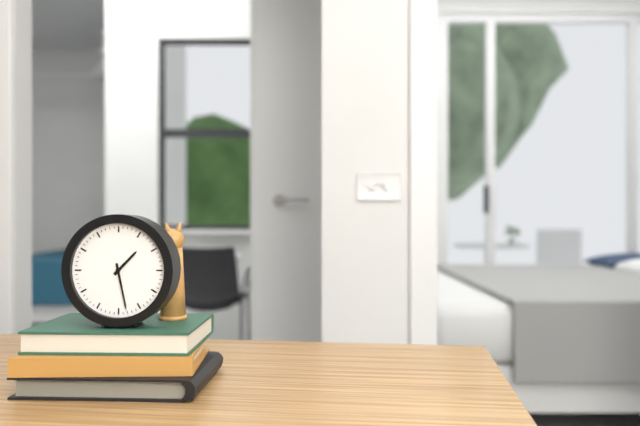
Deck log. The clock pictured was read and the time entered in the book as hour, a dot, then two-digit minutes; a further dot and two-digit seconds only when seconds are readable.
1.28
